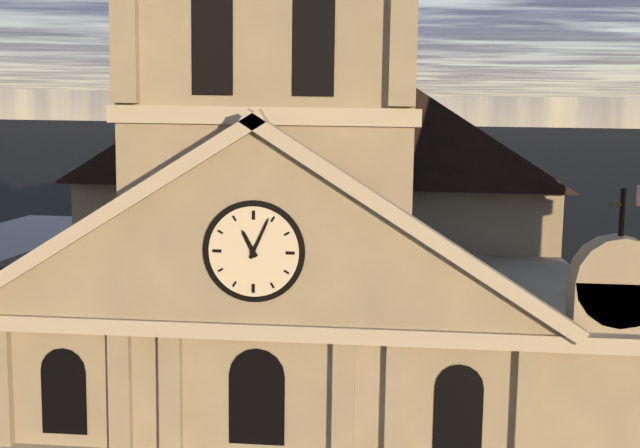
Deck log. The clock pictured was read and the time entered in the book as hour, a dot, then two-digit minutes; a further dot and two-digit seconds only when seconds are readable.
11.04
